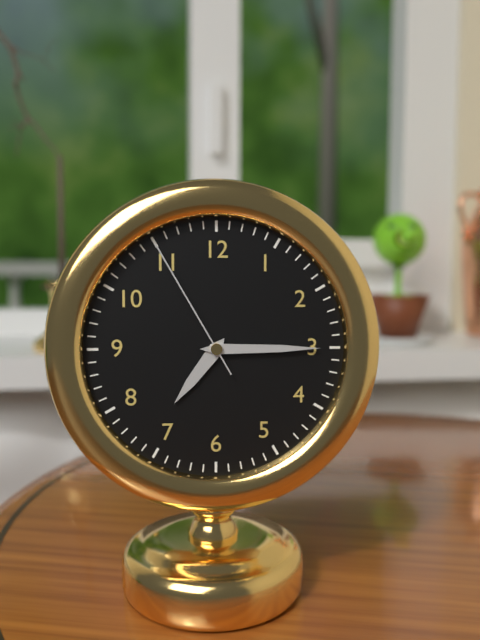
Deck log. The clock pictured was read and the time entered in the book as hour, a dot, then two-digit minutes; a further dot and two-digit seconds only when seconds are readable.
7.15.55
